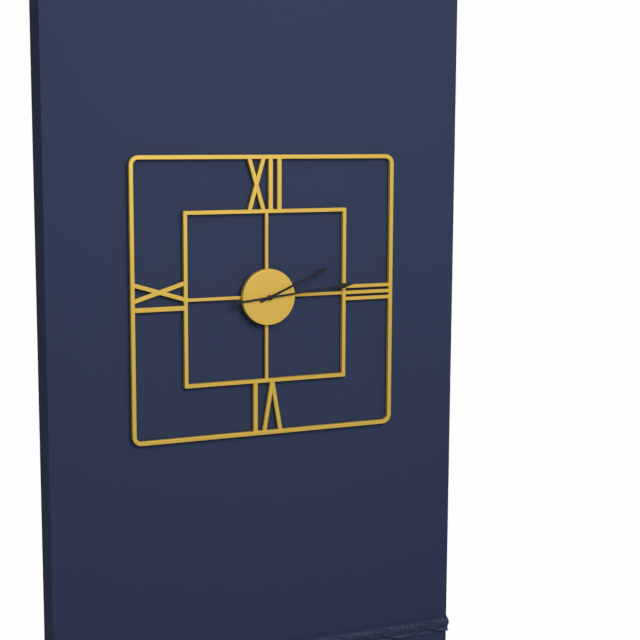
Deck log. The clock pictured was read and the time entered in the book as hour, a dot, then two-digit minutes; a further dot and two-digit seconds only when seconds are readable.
2.14
